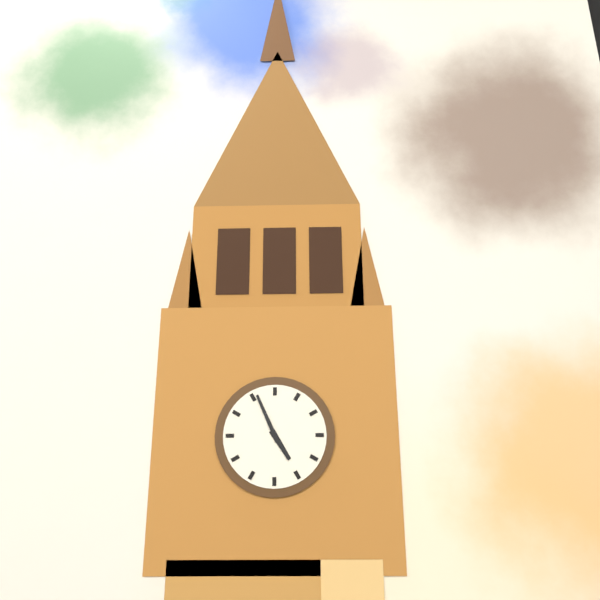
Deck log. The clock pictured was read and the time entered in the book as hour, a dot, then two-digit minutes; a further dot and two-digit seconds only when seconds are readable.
4.56
